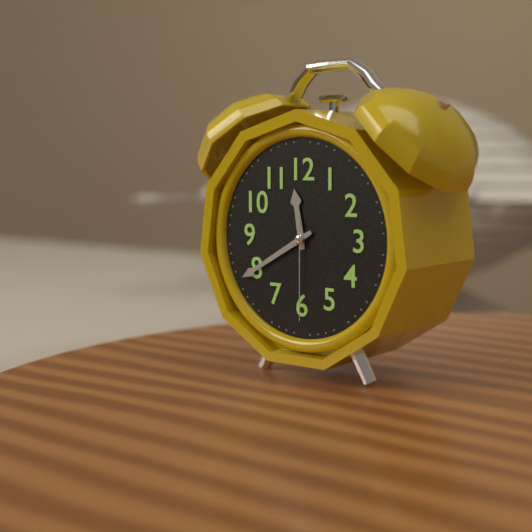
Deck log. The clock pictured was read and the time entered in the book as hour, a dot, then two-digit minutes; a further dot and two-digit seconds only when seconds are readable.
11.40.30
